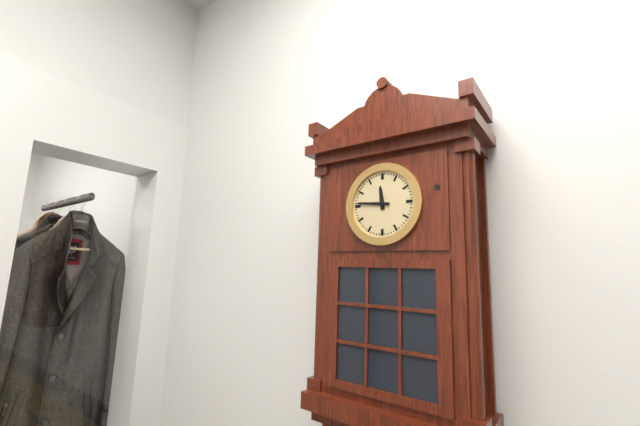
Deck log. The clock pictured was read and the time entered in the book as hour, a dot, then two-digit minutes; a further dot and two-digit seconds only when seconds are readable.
11.46
